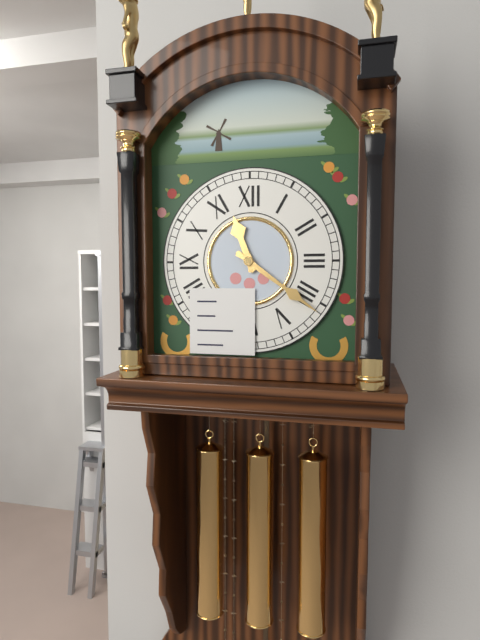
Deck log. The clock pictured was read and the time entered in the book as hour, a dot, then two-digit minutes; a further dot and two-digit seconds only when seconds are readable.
11.21
